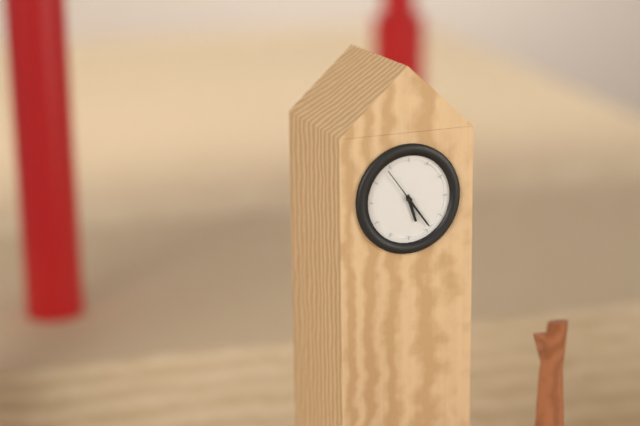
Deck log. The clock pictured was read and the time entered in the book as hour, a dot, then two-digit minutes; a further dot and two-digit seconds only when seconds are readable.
5.24
